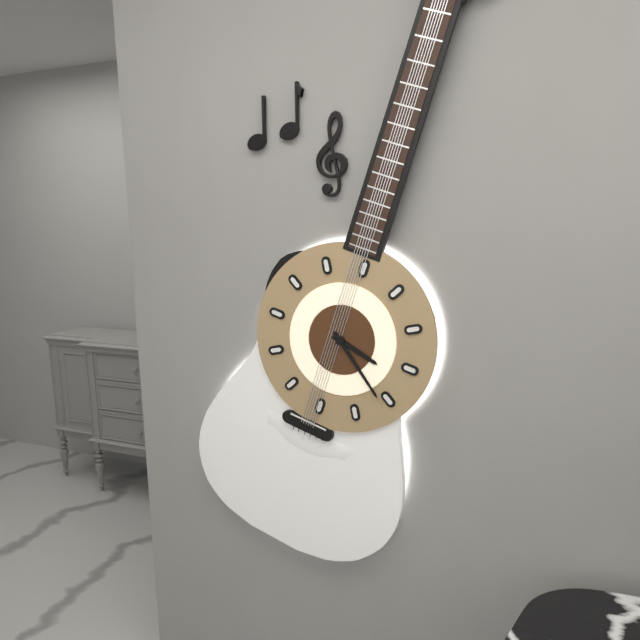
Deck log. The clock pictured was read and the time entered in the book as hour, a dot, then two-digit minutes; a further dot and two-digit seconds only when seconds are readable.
3.21
